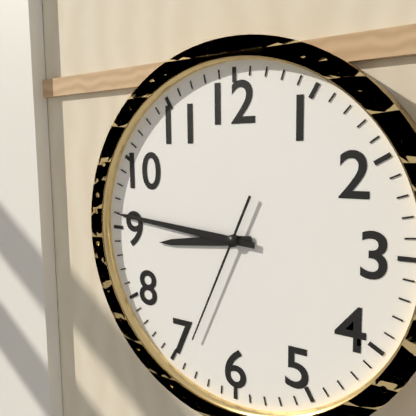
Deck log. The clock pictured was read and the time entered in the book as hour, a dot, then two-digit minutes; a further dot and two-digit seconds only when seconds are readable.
8.46.34
